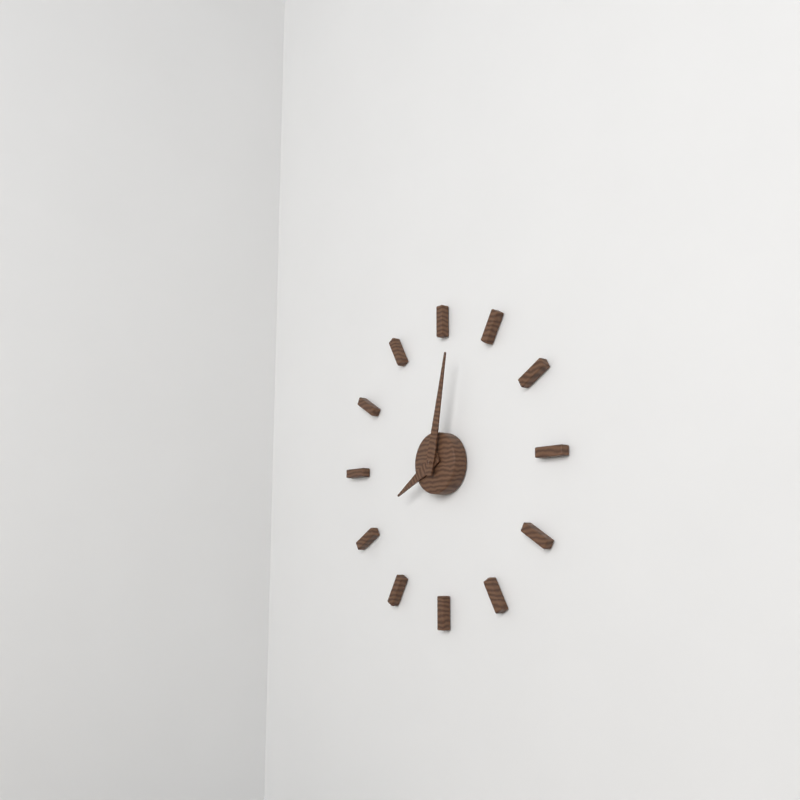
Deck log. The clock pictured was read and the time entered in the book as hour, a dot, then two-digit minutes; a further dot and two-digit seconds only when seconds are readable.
8.02
